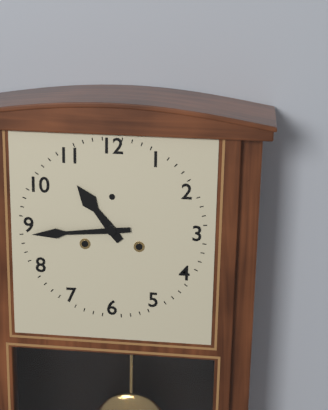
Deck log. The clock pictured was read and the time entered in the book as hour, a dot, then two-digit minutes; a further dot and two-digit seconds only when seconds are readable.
10.44
